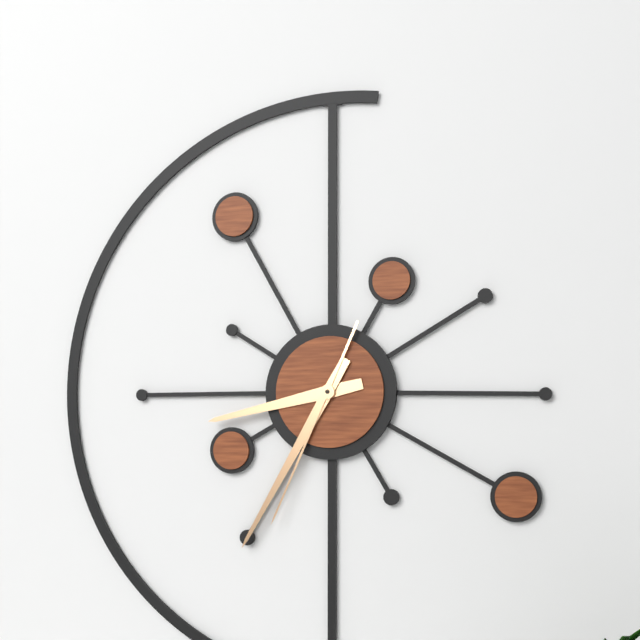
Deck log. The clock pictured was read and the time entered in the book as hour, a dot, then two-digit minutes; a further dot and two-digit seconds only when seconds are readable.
8.35.34
